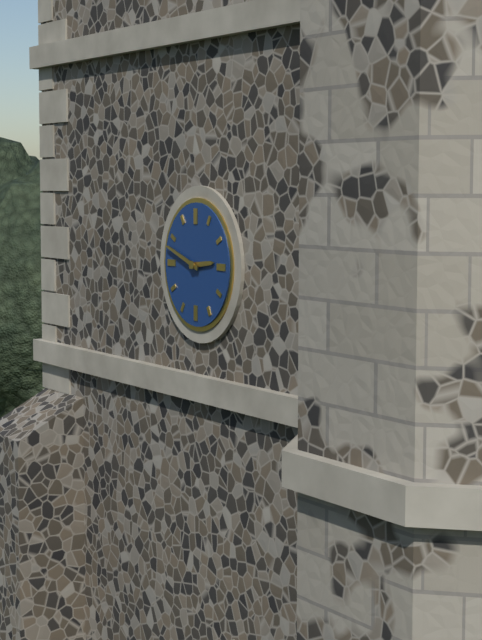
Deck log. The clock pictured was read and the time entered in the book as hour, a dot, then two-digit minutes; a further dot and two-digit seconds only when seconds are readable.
2.48
